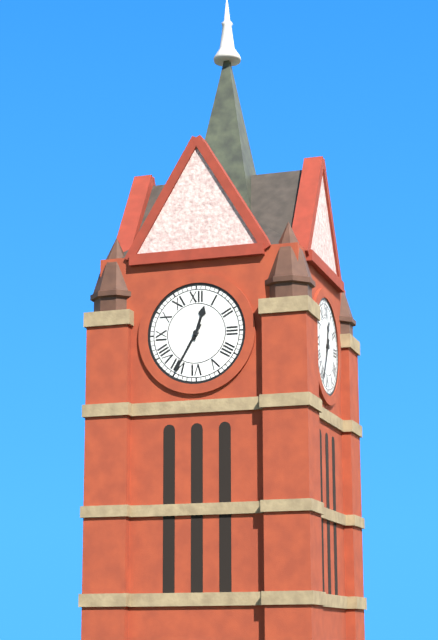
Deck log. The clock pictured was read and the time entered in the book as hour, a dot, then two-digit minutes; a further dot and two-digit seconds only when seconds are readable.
12.35
